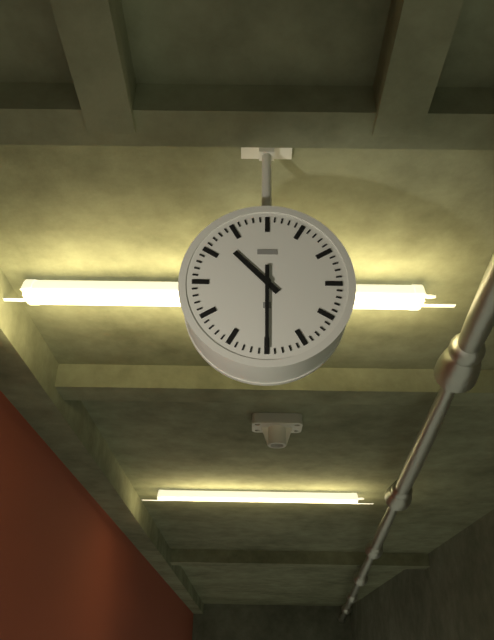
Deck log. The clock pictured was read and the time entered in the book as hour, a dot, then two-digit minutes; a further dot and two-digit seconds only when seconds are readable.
10.30
